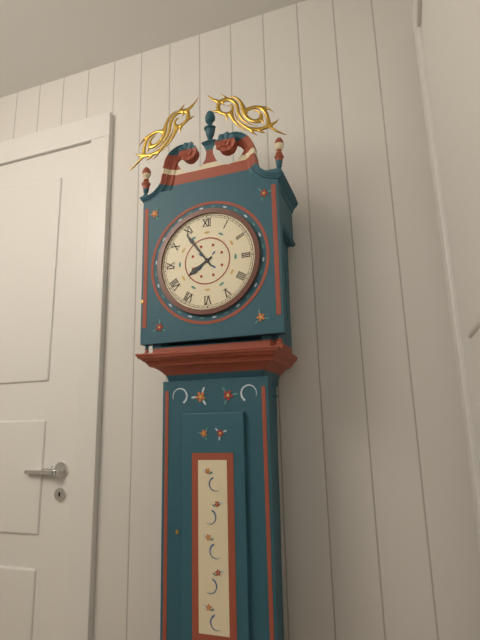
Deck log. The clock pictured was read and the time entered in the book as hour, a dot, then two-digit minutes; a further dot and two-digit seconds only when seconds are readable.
7.54
